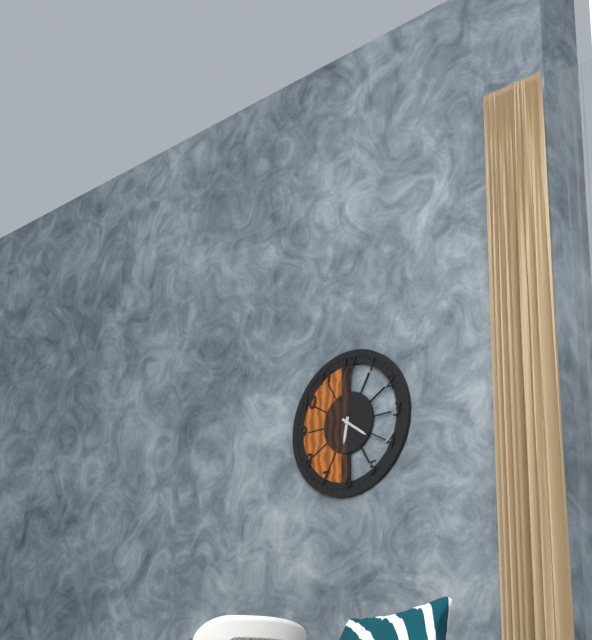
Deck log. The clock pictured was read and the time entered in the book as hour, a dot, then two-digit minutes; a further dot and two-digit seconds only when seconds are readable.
6.21
